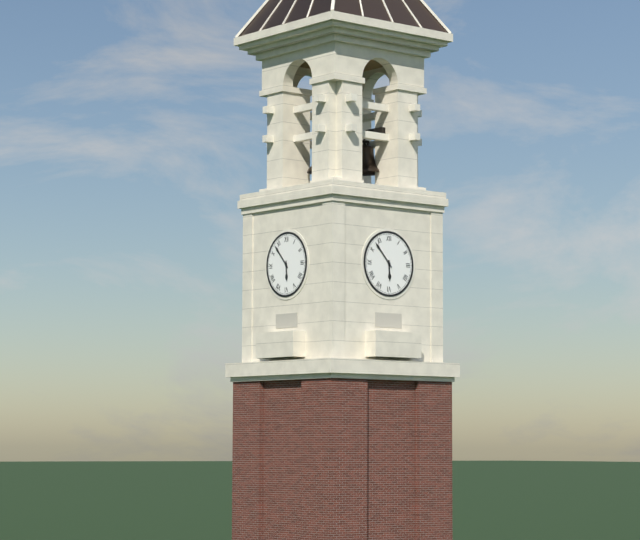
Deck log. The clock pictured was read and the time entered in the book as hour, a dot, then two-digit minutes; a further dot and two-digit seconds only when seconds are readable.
5.53
